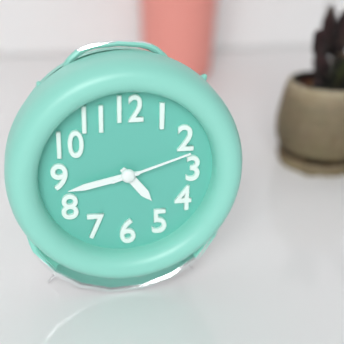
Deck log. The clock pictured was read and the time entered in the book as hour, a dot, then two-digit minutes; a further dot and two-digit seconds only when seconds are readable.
4.43.12
